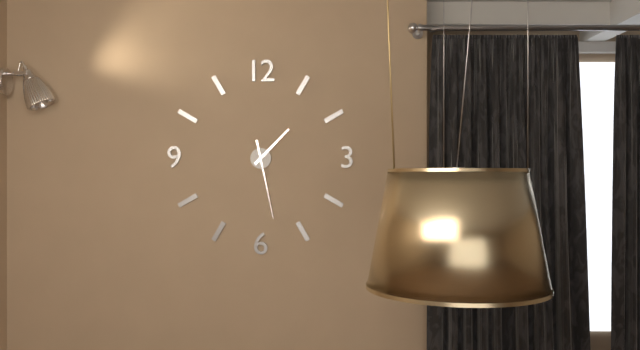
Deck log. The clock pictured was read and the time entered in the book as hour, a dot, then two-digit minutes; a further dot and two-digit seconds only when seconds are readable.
1.28
